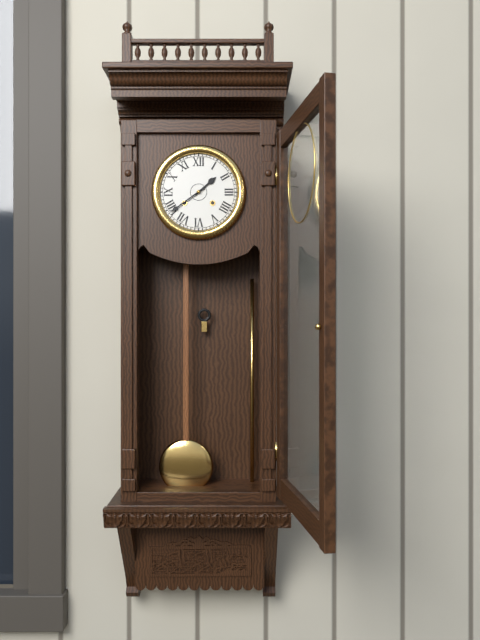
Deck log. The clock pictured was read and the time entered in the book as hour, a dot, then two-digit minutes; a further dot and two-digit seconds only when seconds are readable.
1.39
